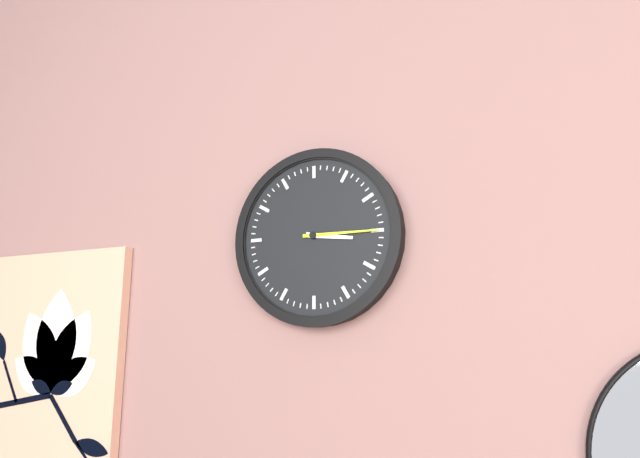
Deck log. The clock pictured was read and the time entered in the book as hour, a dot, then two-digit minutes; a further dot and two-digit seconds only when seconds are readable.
3.15
